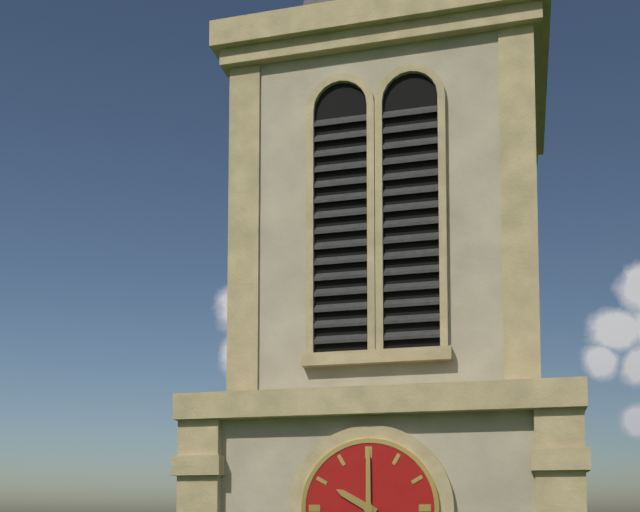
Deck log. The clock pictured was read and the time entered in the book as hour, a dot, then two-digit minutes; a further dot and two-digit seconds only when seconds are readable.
10.00
